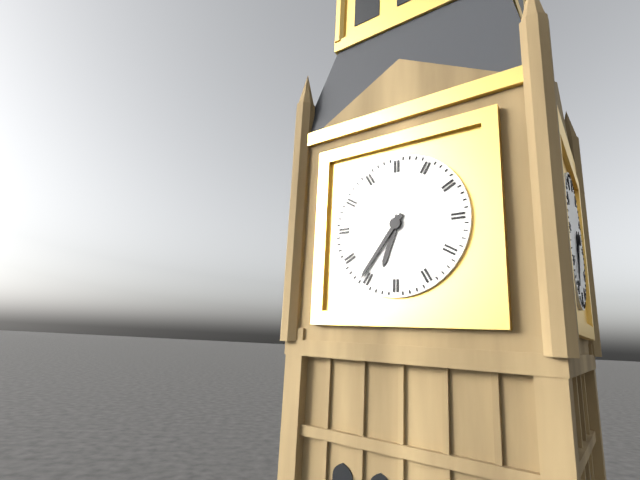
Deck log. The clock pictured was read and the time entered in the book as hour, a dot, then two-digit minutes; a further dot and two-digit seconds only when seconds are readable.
6.36
